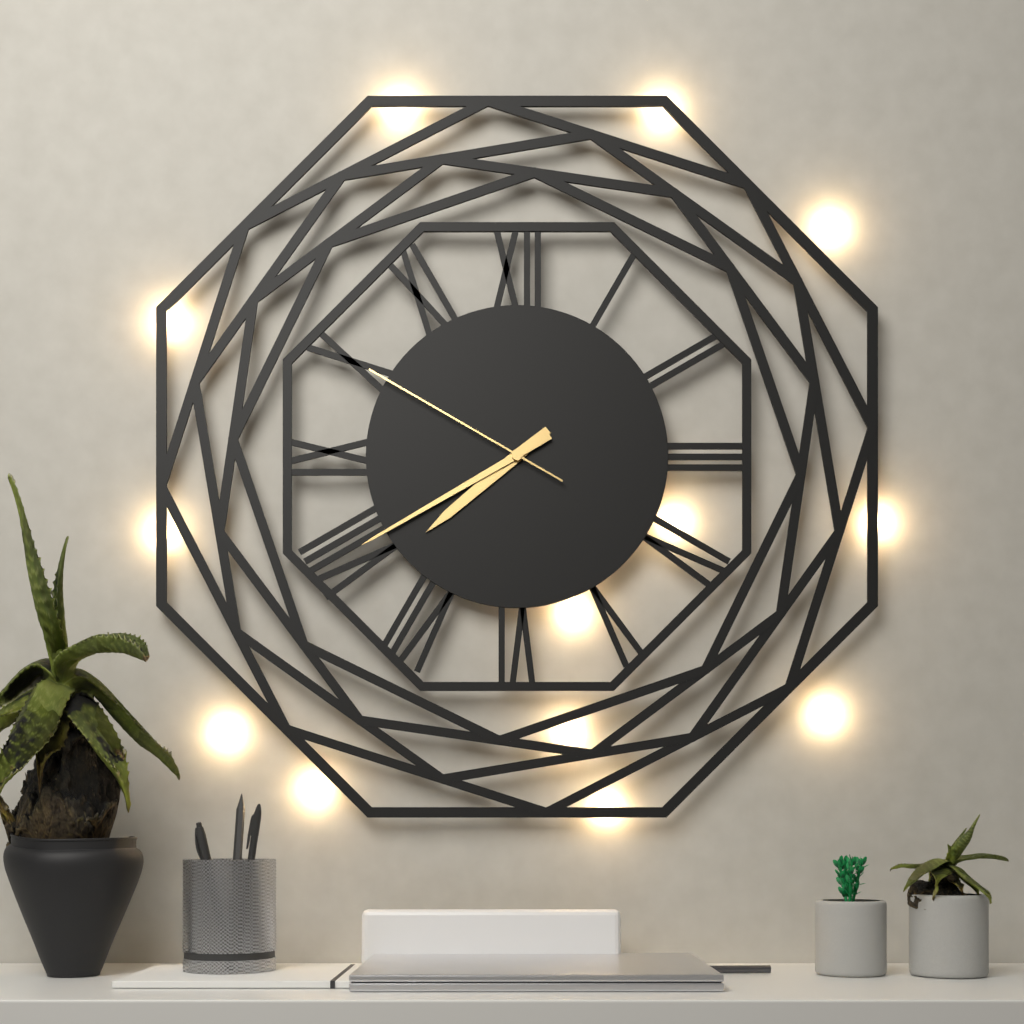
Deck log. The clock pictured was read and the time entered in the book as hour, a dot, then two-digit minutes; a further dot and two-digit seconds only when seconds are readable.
7.40.50
